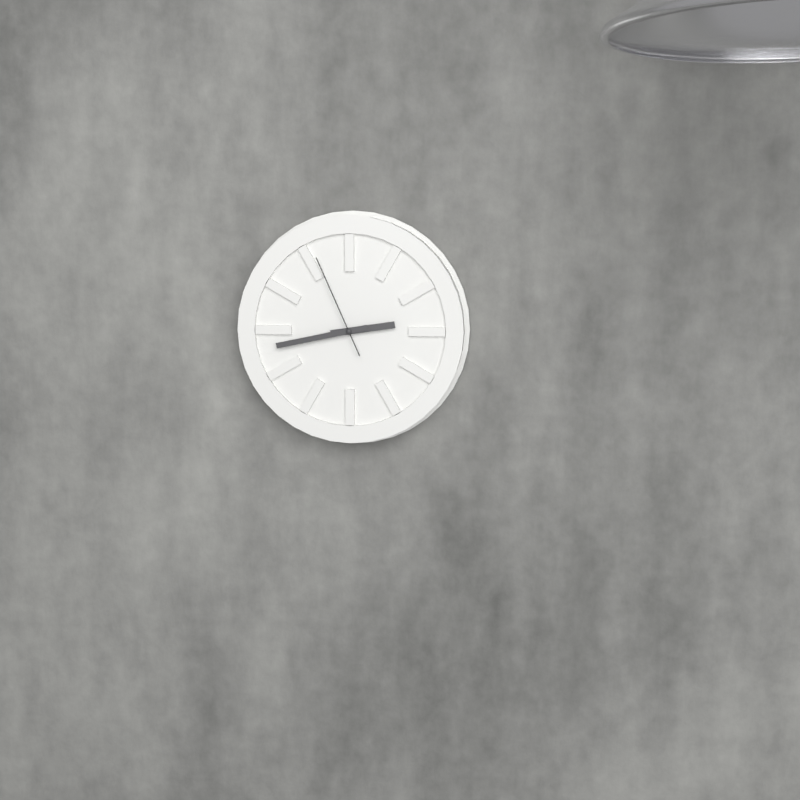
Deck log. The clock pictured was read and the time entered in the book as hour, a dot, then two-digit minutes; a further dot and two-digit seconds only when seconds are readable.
2.43.56
